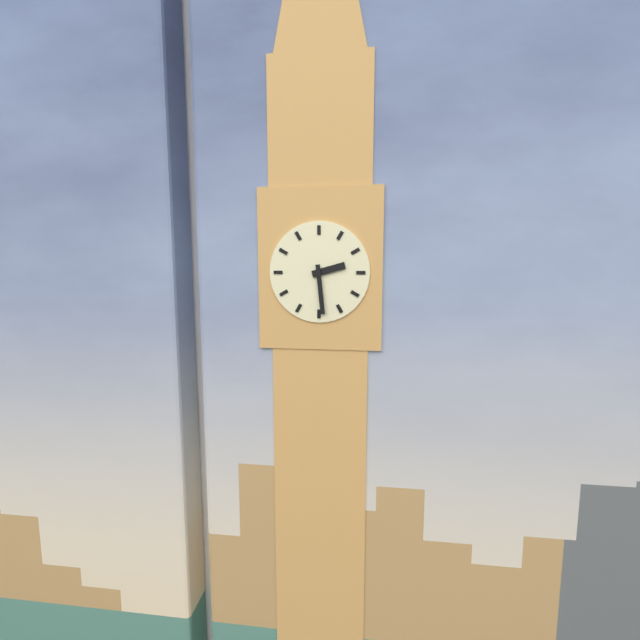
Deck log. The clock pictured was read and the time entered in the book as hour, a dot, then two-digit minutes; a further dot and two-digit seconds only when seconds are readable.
2.29
